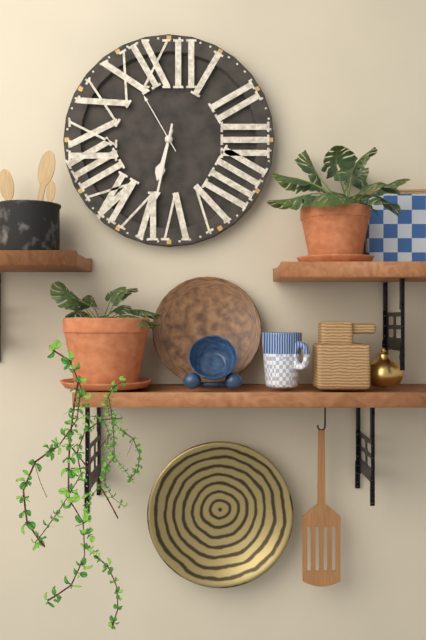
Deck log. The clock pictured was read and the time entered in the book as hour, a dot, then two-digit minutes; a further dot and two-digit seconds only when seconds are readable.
6.32.55
